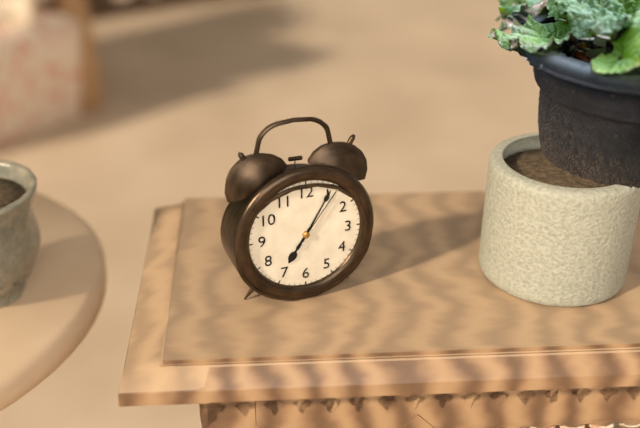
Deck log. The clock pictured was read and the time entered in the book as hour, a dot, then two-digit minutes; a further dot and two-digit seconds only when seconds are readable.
7.05.06
